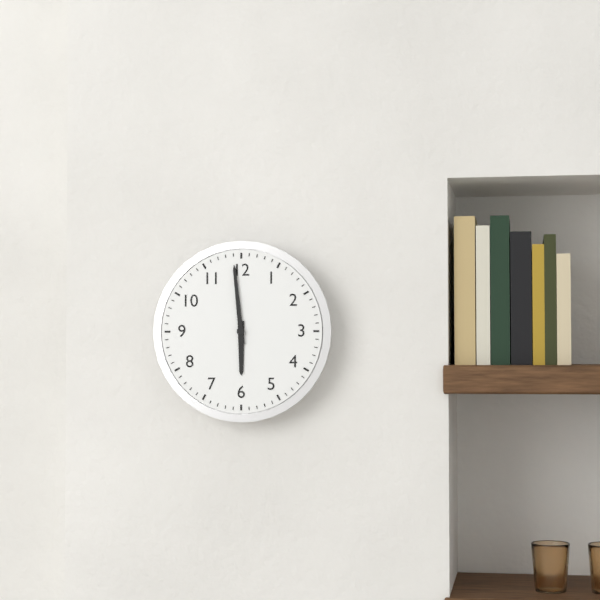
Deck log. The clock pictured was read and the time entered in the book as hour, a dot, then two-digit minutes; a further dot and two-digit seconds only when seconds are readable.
5.59
